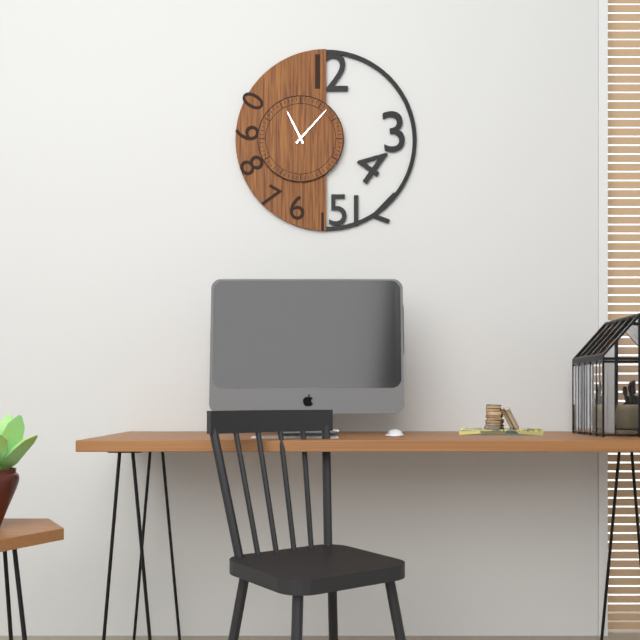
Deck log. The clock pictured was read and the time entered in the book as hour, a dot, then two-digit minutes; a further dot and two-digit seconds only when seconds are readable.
11.07
